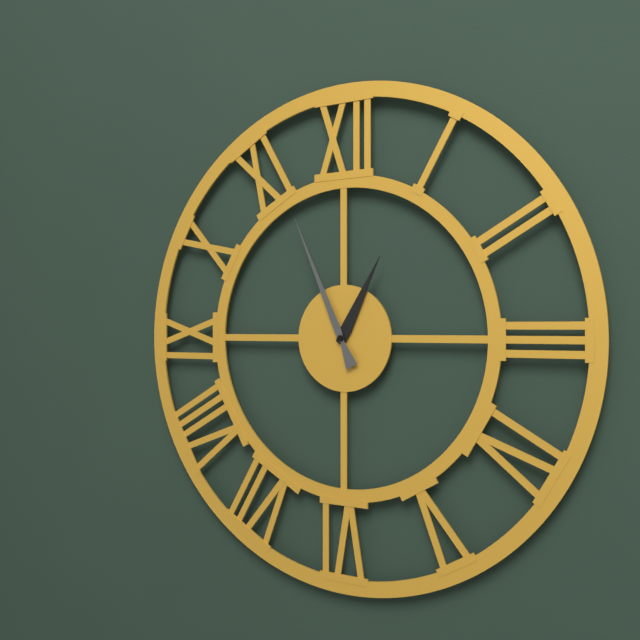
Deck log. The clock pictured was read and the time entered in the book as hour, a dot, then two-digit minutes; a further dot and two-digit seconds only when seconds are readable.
12.56
